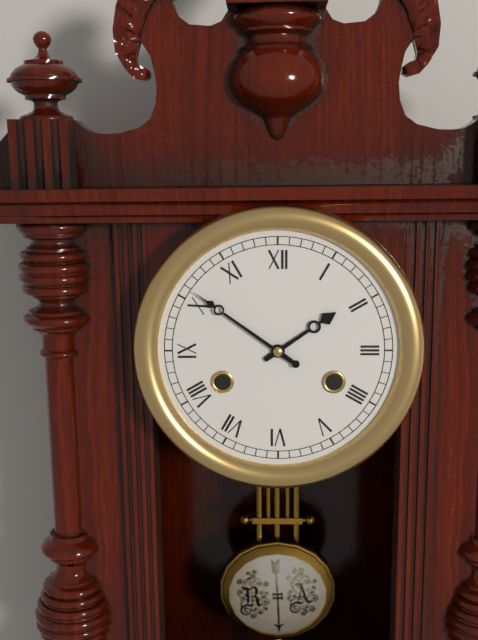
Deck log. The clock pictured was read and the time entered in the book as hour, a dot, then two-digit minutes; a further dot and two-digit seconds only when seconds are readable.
1.51
